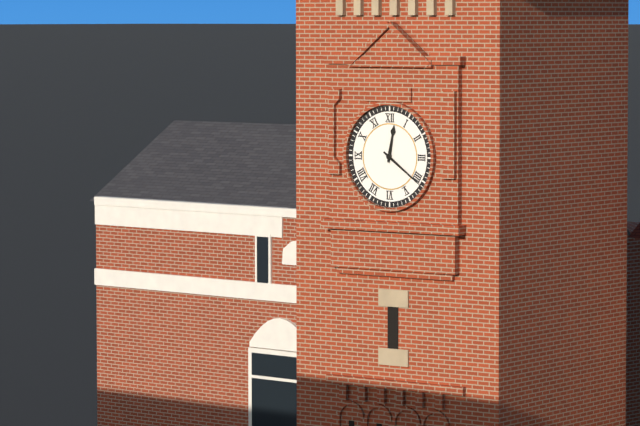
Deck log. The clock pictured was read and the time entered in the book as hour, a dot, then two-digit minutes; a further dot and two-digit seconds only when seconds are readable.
12.21
